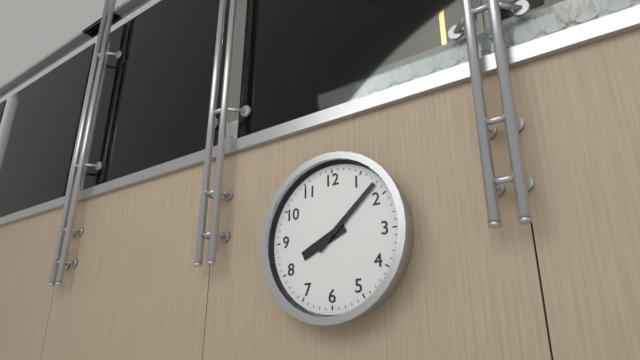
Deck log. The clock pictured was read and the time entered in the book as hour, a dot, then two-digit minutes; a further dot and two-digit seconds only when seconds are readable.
8.08
